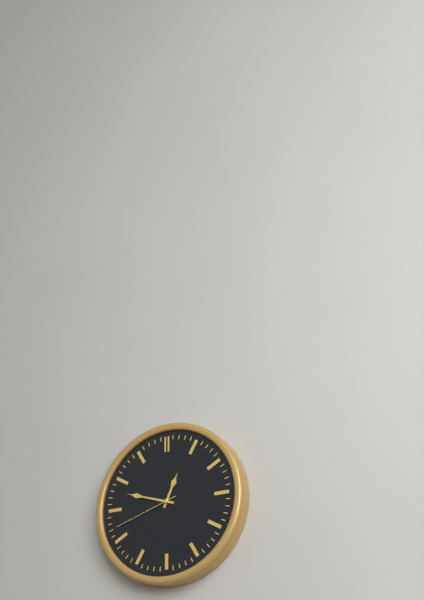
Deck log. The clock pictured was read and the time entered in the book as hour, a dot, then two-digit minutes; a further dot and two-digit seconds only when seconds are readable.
12.48.42
